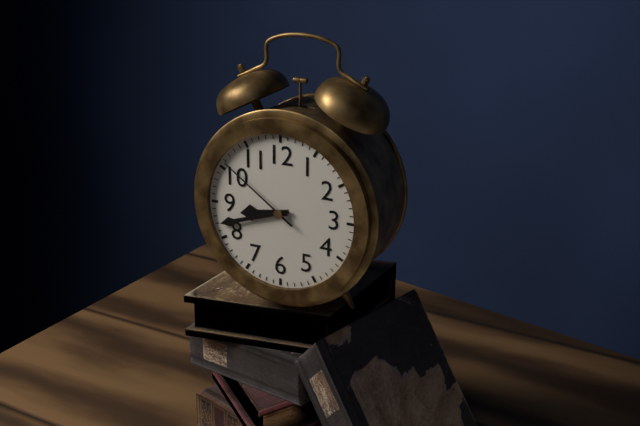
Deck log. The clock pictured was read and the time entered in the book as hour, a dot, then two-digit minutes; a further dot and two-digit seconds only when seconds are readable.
8.42.51
